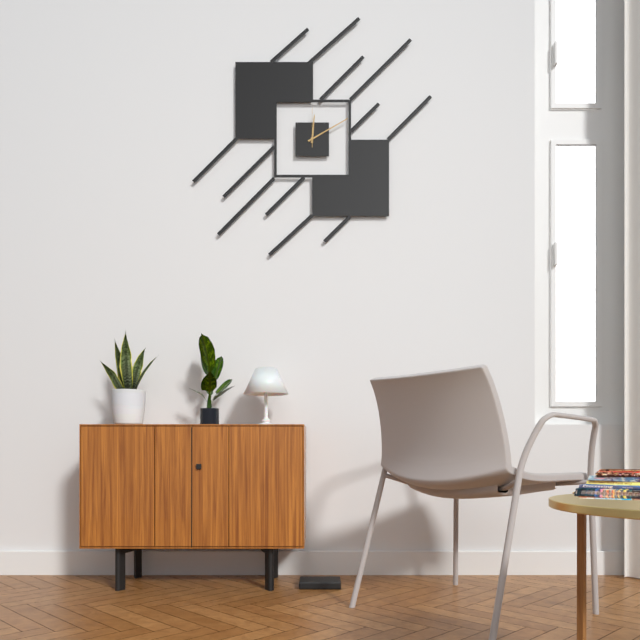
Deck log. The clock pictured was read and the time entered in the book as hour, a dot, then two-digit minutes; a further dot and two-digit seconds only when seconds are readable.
12.10
